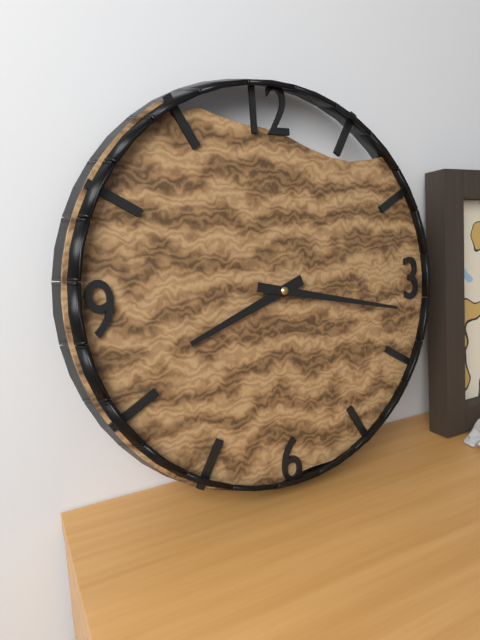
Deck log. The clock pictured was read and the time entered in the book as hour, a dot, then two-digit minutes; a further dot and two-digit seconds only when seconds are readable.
8.17
